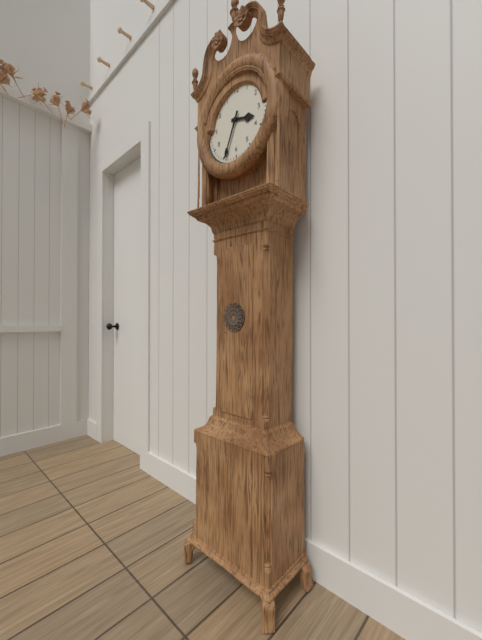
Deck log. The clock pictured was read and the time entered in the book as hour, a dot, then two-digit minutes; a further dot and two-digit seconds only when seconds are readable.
3.34
